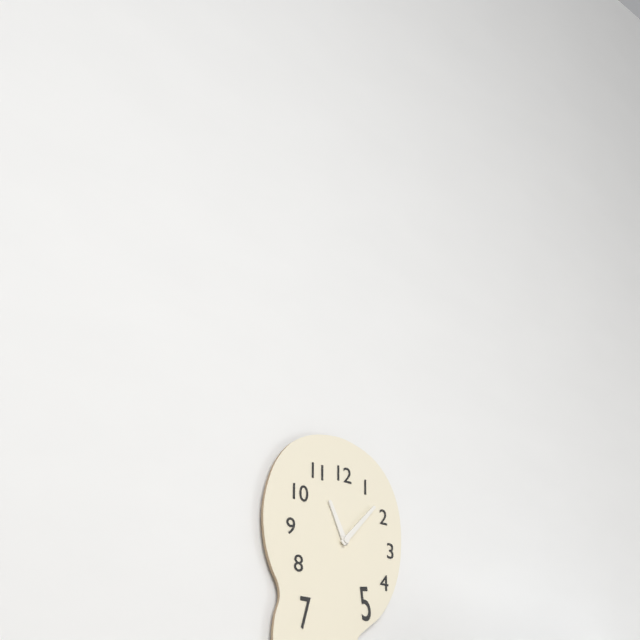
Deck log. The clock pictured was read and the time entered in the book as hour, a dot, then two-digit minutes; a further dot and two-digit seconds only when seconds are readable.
11.07
